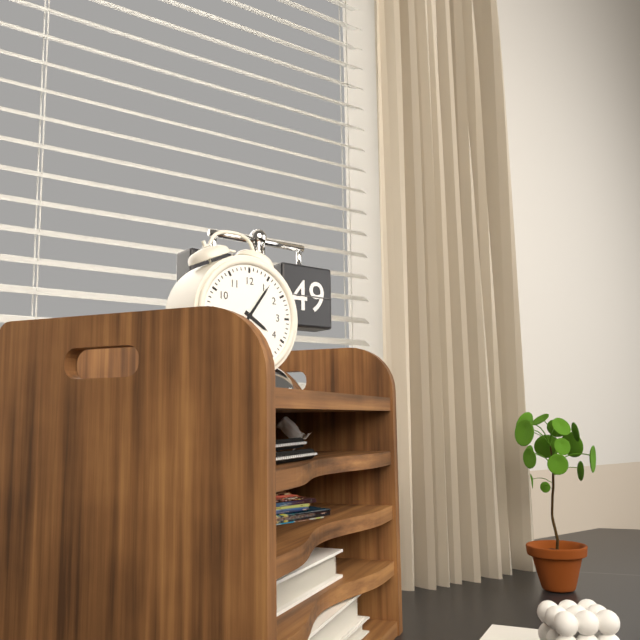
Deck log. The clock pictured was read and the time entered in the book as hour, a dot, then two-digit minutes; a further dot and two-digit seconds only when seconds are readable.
4.06
